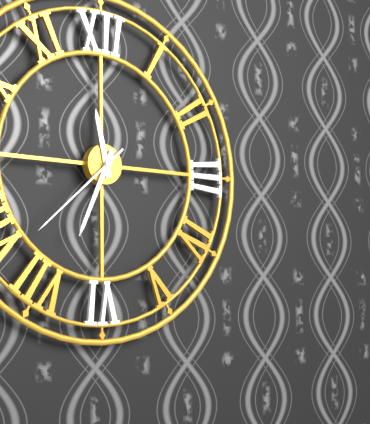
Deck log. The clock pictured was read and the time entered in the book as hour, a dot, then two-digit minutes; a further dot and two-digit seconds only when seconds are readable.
11.34.38
